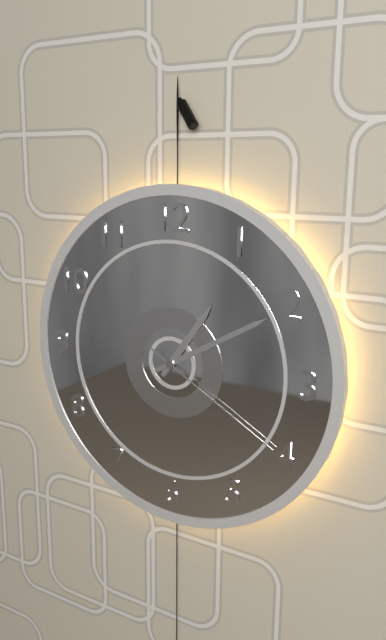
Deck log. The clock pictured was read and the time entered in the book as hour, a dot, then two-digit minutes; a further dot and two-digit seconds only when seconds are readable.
1.10.20
